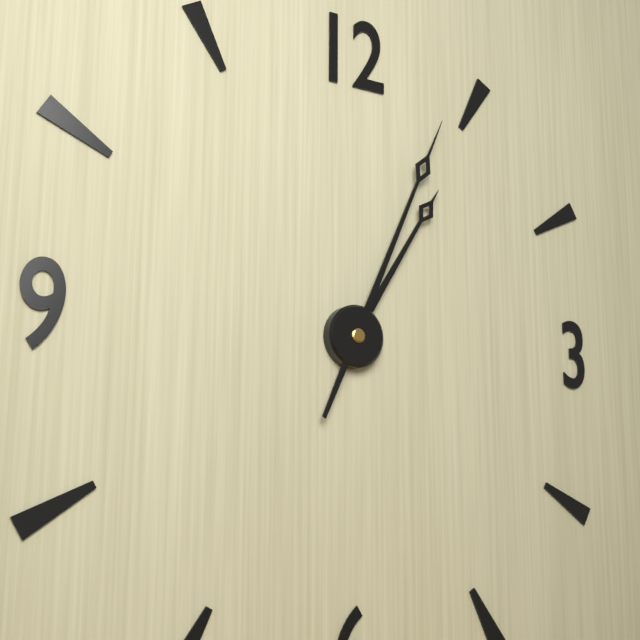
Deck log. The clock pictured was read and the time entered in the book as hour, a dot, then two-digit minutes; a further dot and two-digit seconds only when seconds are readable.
1.04
